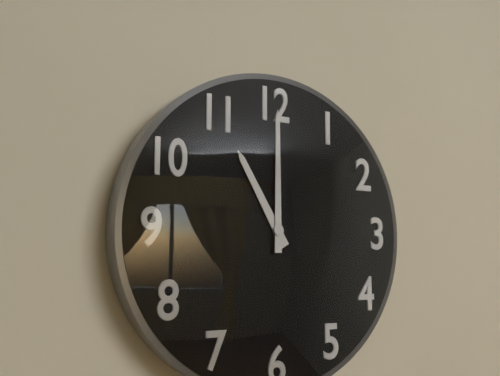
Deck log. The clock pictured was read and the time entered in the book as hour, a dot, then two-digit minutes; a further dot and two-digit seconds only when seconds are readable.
11.00
